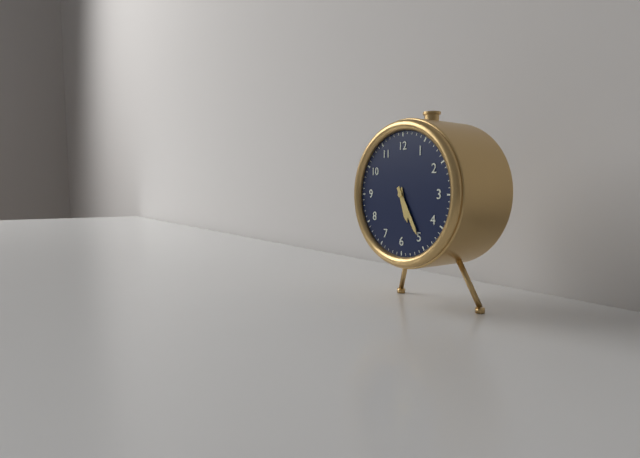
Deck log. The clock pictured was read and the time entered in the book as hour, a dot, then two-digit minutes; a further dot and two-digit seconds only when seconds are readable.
5.25
